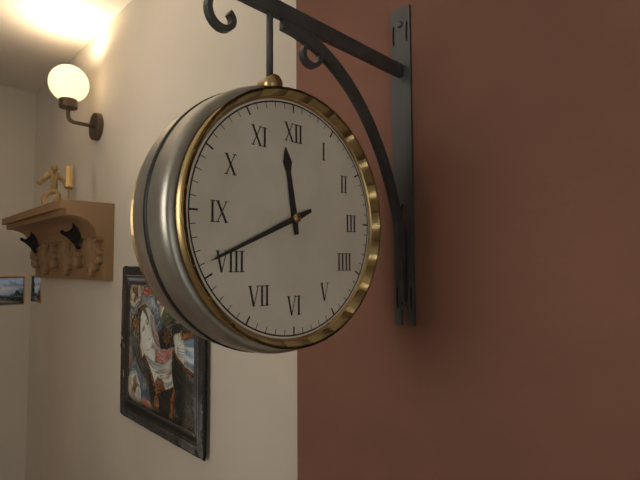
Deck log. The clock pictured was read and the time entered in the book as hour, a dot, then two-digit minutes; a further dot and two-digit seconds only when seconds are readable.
11.41
